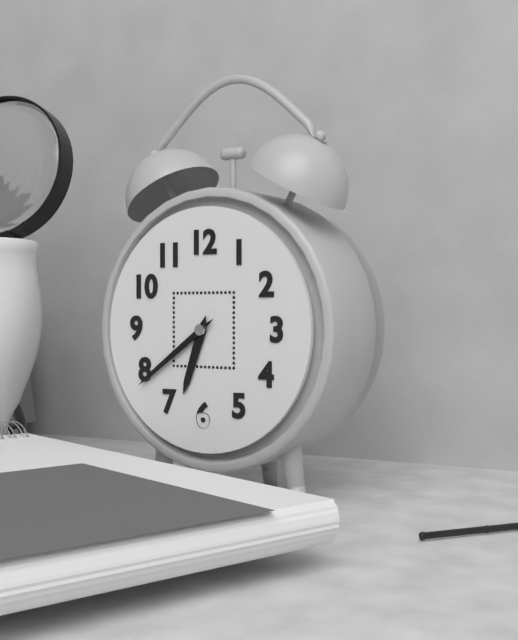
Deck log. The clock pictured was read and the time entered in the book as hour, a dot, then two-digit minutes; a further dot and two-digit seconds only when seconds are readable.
6.39
